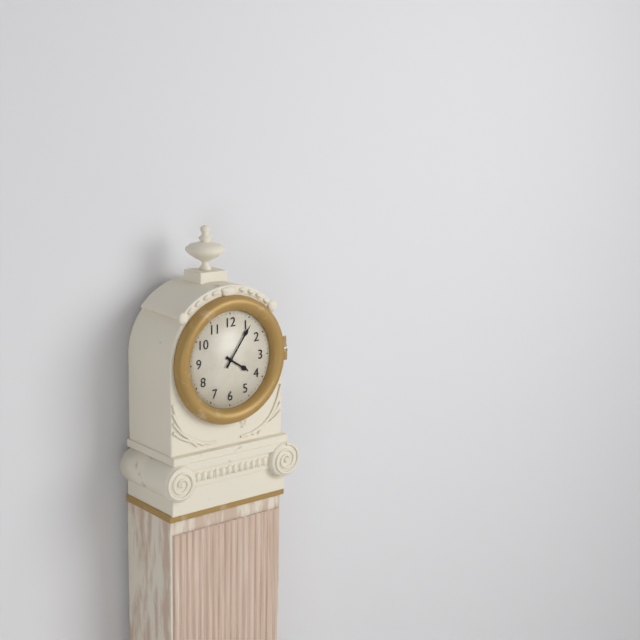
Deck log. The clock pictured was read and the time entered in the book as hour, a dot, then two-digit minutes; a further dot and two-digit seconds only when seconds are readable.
4.06
